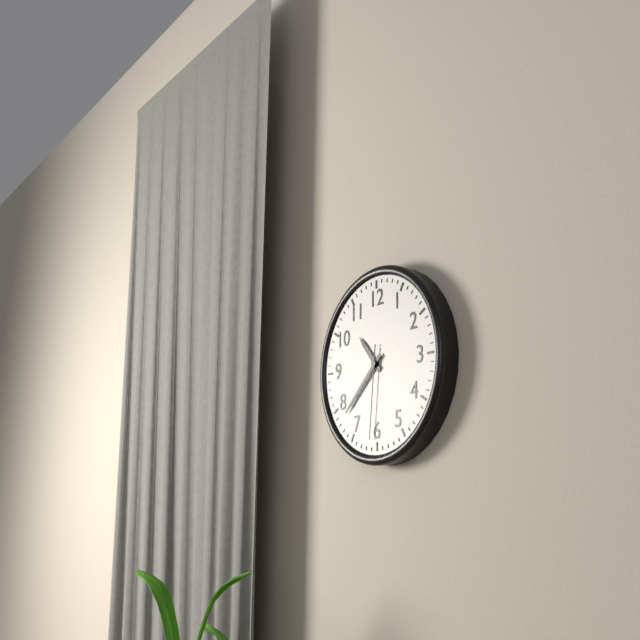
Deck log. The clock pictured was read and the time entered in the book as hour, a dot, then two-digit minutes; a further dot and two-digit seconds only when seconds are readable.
10.38.31
